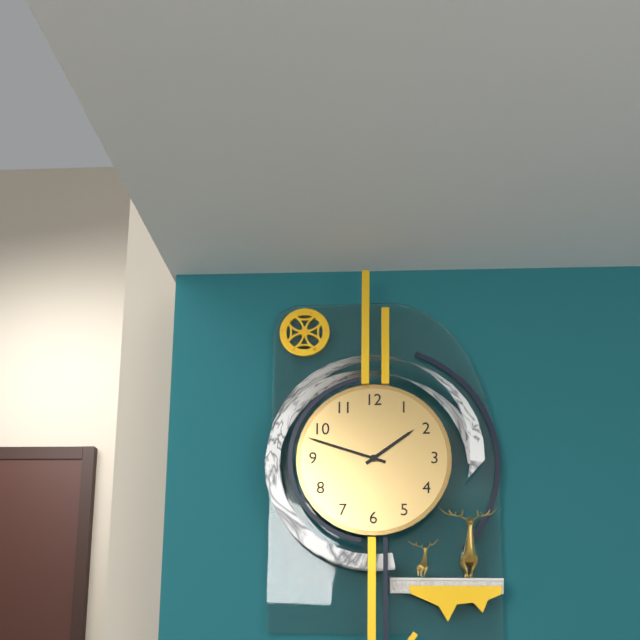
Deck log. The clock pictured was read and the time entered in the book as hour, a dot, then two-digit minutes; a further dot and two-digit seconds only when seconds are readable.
1.48
